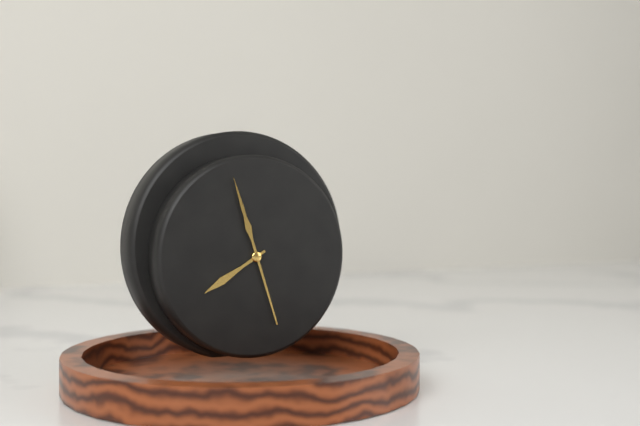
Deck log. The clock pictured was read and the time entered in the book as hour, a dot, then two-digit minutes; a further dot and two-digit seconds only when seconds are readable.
7.57
